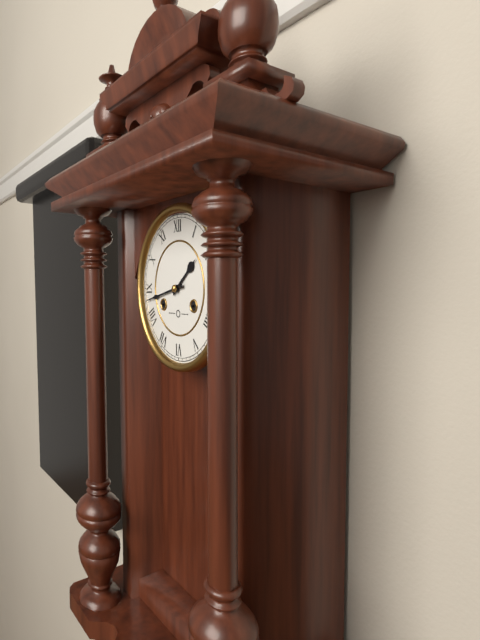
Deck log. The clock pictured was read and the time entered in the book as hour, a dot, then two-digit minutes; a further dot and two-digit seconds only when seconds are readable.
1.43
